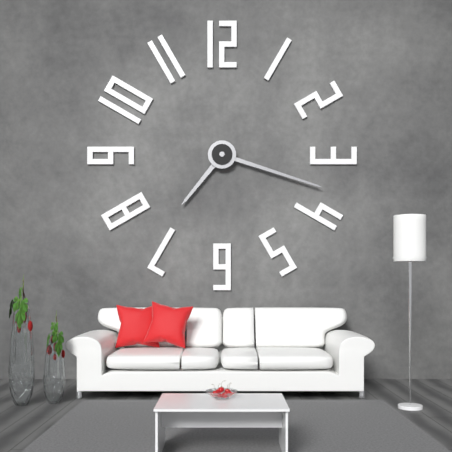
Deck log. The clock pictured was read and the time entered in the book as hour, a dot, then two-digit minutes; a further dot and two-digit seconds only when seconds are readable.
7.18
